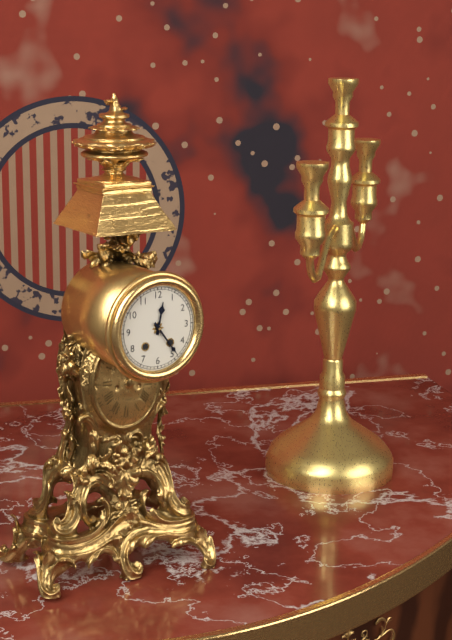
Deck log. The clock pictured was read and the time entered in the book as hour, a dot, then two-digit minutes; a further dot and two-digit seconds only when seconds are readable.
12.24
